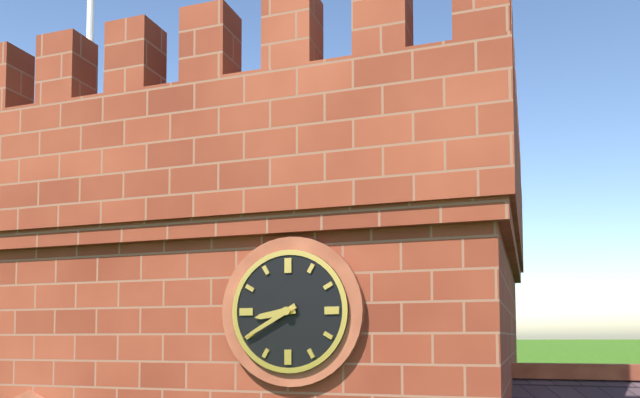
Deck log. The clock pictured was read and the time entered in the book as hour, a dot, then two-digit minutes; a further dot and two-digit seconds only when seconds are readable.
8.40
